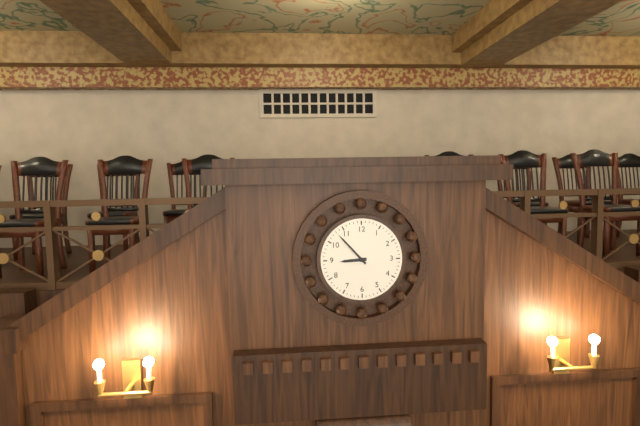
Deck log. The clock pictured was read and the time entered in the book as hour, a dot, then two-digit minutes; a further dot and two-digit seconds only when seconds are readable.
8.53
